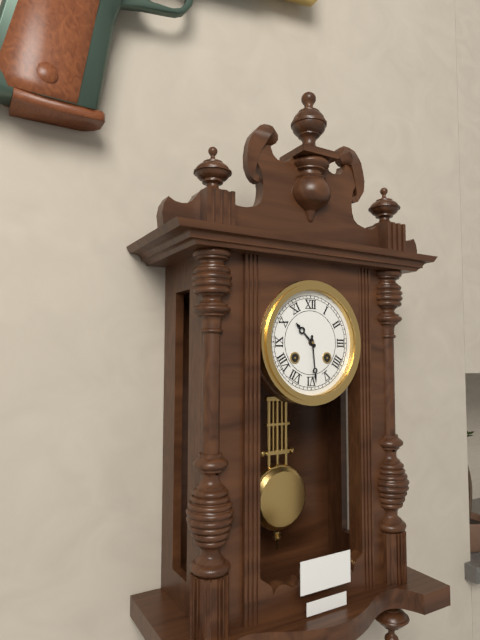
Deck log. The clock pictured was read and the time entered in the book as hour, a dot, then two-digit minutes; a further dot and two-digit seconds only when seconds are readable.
10.29
